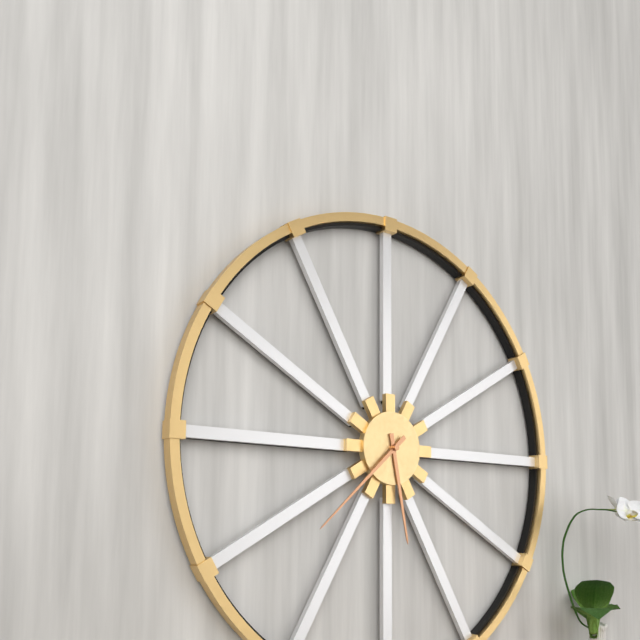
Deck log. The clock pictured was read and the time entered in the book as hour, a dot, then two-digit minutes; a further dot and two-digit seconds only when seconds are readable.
5.38
